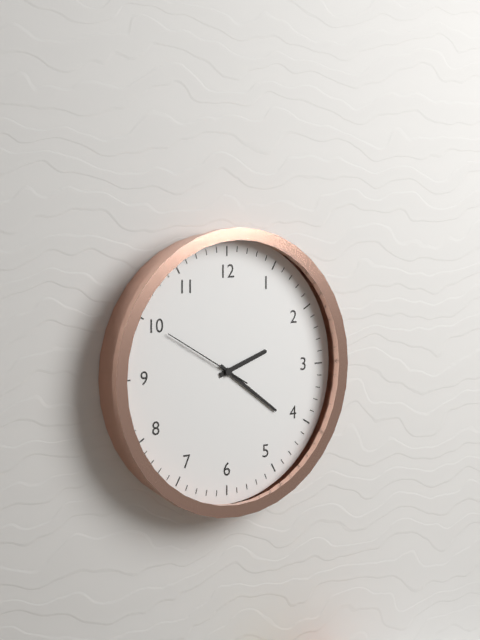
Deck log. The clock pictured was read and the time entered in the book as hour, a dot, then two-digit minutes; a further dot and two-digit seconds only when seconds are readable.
2.21.50
